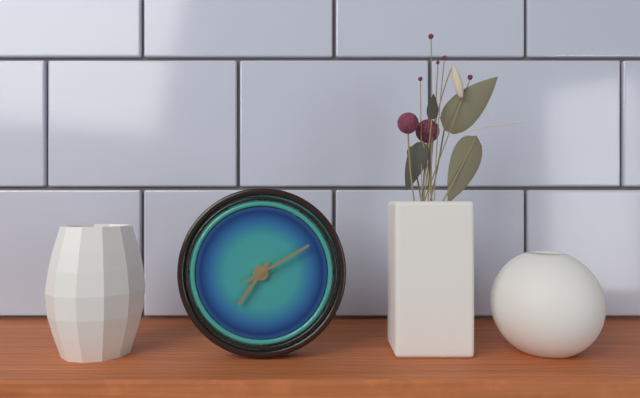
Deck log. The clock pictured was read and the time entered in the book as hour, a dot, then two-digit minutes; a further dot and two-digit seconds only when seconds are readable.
7.10
